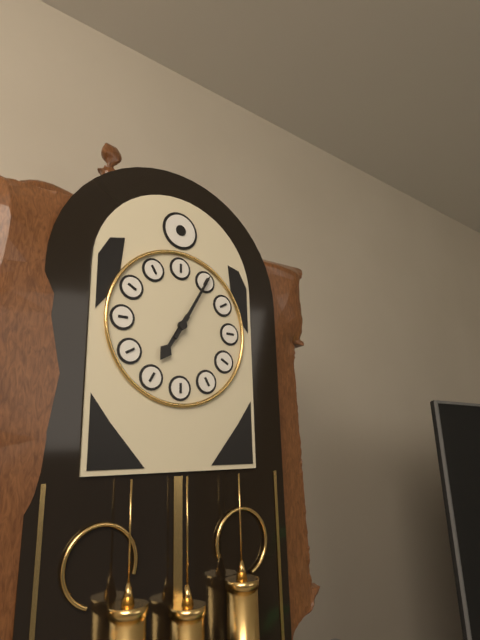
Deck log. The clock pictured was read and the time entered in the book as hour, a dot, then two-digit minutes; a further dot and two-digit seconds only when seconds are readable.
7.05
